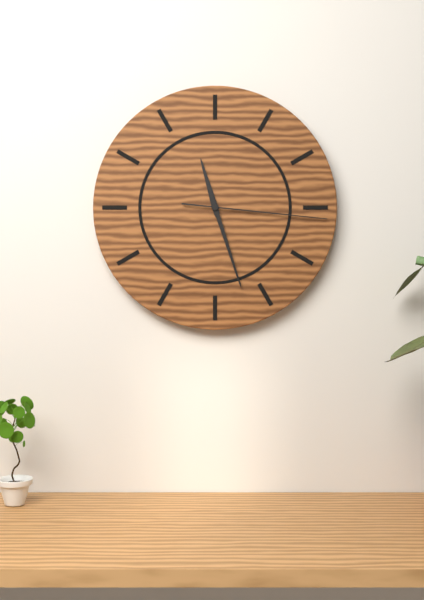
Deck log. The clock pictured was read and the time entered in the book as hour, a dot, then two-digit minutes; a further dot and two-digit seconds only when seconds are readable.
11.27.16
